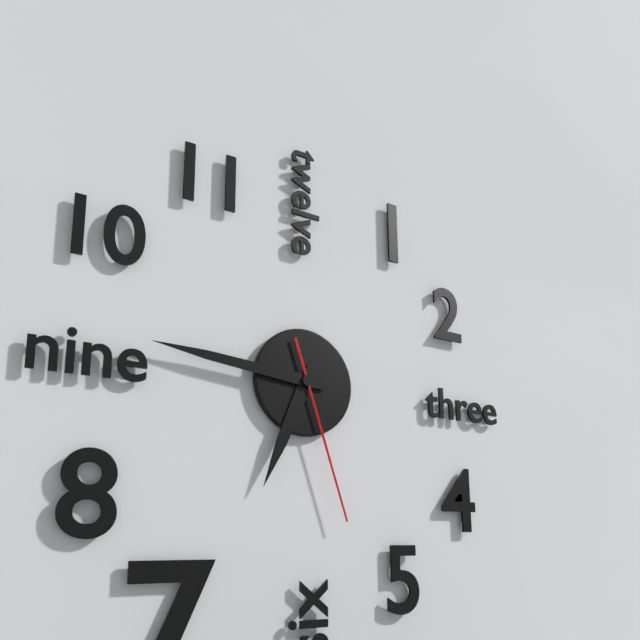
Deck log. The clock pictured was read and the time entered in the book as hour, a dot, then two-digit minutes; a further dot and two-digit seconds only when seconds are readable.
6.46.27
